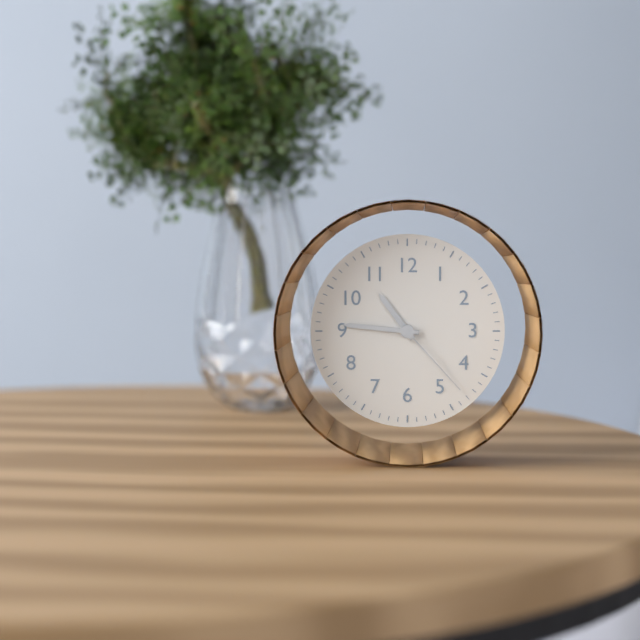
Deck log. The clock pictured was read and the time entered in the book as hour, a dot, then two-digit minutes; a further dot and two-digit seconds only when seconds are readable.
10.46.23
